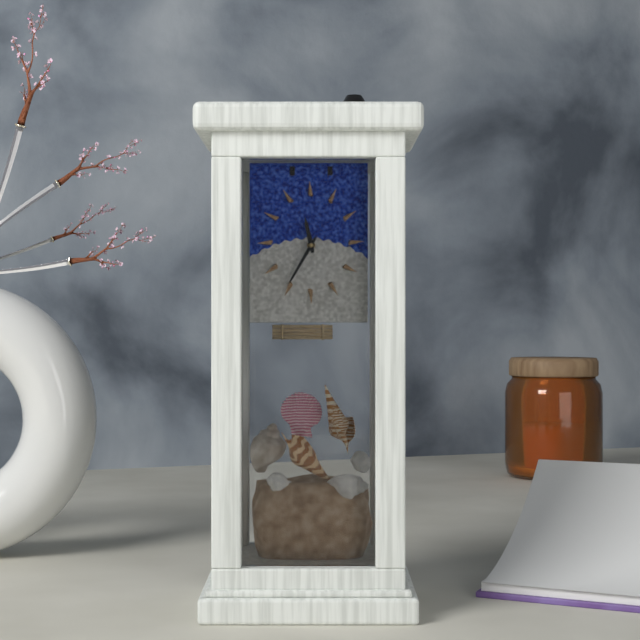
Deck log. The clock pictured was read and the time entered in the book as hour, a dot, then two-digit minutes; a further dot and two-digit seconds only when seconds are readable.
11.35.35
